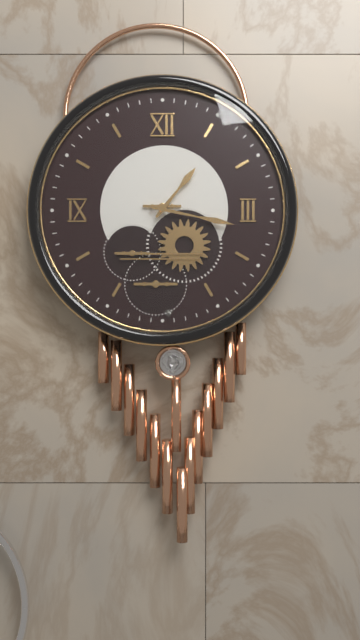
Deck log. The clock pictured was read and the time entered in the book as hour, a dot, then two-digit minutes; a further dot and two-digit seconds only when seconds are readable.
1.17
